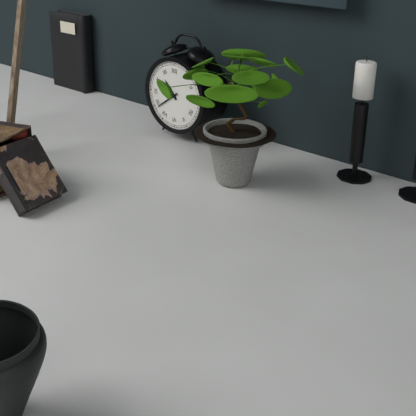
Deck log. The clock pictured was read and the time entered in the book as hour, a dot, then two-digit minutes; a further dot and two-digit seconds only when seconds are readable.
10.39
